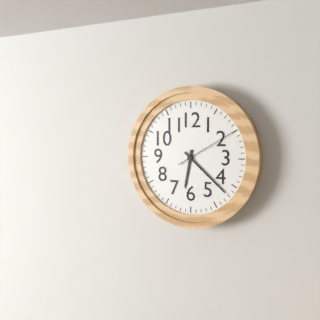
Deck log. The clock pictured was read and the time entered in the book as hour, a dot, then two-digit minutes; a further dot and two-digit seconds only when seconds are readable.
6.22.10
